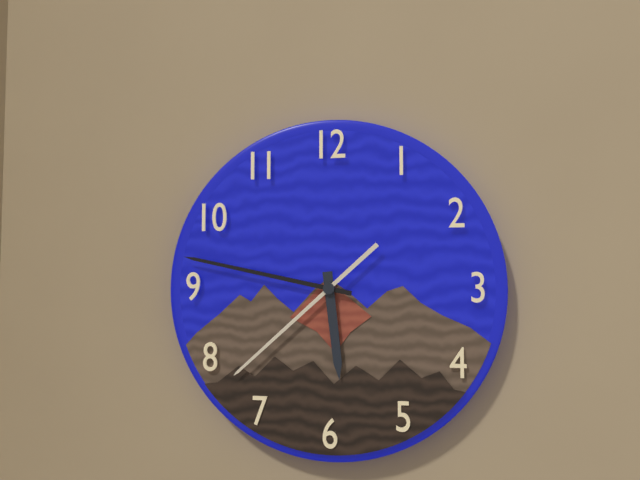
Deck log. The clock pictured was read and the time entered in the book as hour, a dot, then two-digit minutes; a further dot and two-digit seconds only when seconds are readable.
5.47.38
